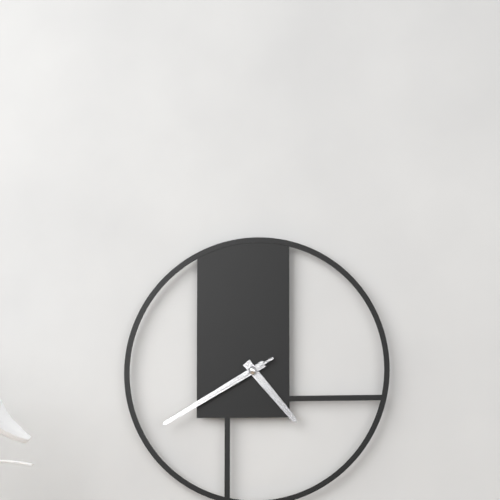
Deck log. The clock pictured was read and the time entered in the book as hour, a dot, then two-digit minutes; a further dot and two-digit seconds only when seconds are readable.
4.40.40
